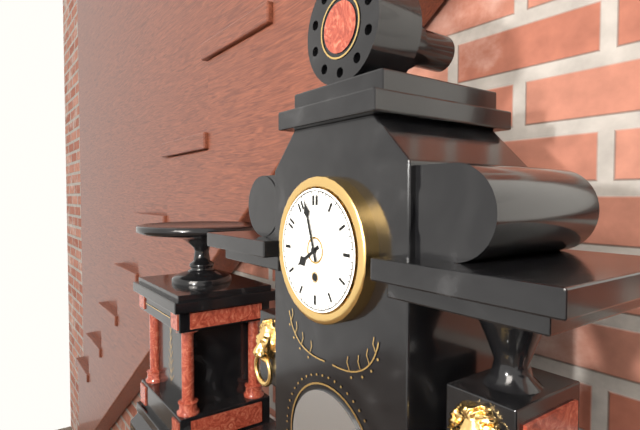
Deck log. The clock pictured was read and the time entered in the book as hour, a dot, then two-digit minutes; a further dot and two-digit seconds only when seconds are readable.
7.57
